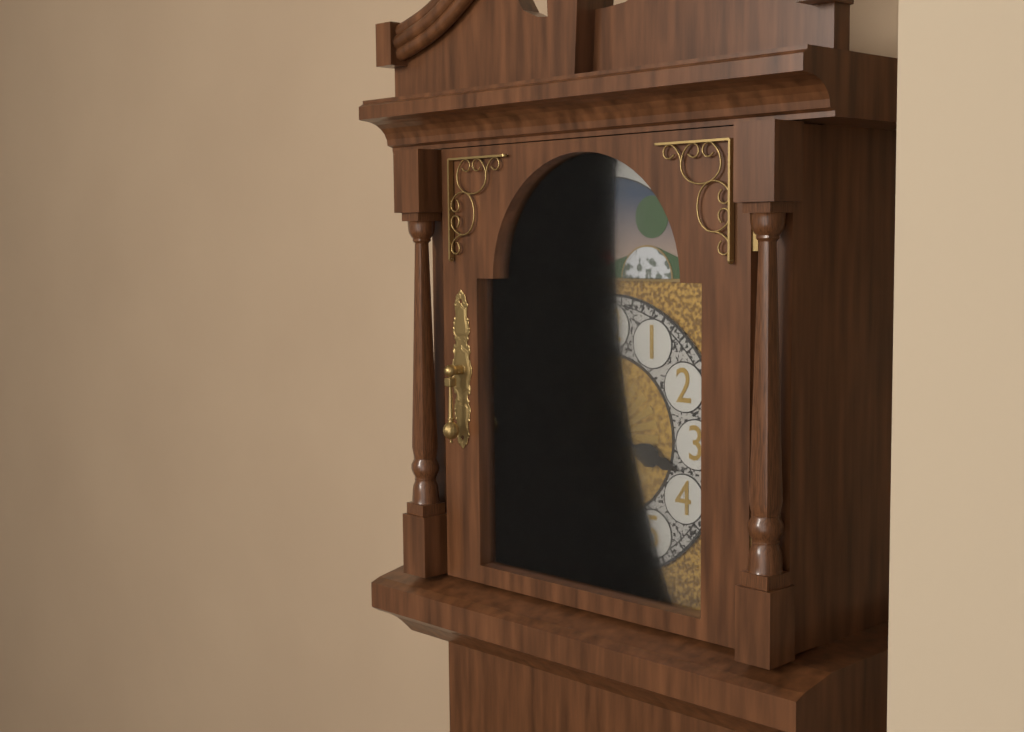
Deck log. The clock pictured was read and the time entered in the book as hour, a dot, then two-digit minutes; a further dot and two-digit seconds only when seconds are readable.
3.33
